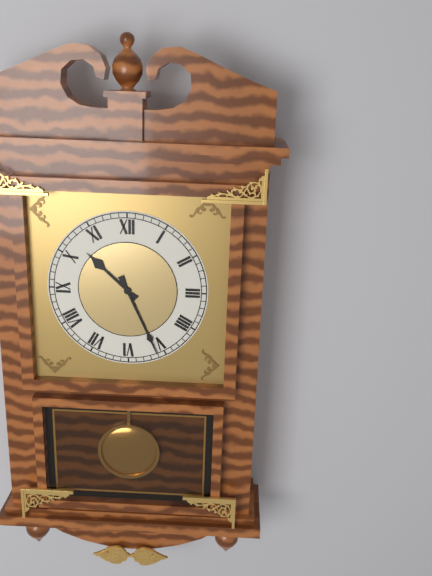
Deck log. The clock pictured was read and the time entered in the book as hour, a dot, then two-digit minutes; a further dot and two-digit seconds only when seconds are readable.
10.26
